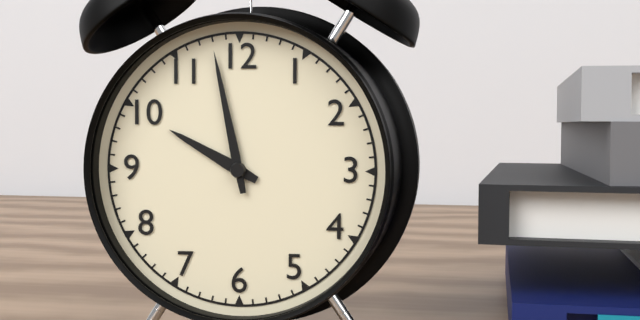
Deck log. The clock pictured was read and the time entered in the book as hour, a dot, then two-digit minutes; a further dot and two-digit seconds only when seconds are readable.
9.58
